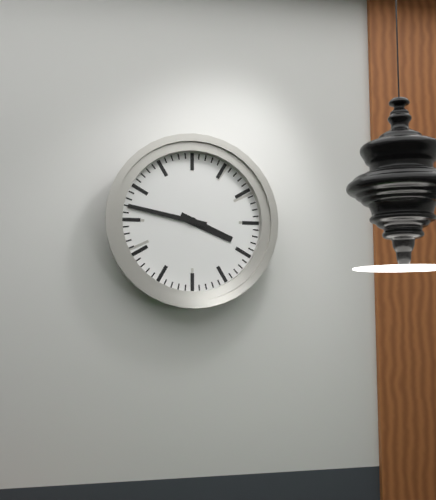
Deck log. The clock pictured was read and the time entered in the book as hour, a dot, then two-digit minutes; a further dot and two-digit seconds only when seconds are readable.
3.47
